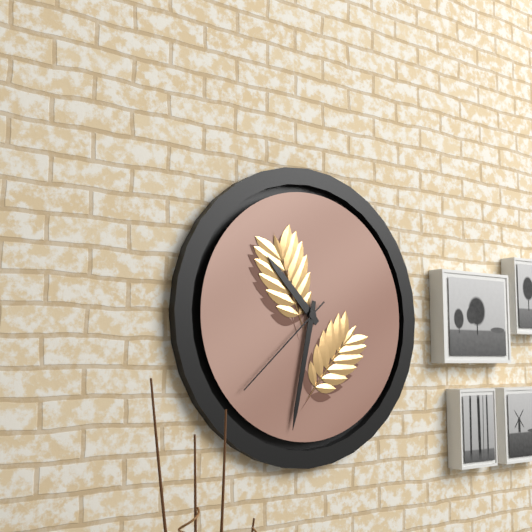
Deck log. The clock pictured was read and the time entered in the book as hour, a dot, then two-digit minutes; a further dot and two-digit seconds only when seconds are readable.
10.32.38
